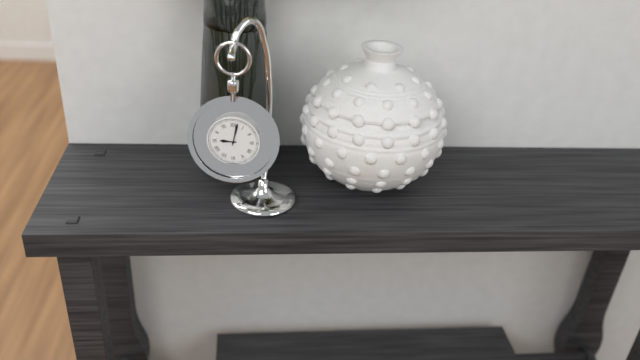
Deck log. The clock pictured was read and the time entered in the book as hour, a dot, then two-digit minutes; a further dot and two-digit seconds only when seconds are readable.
9.02
